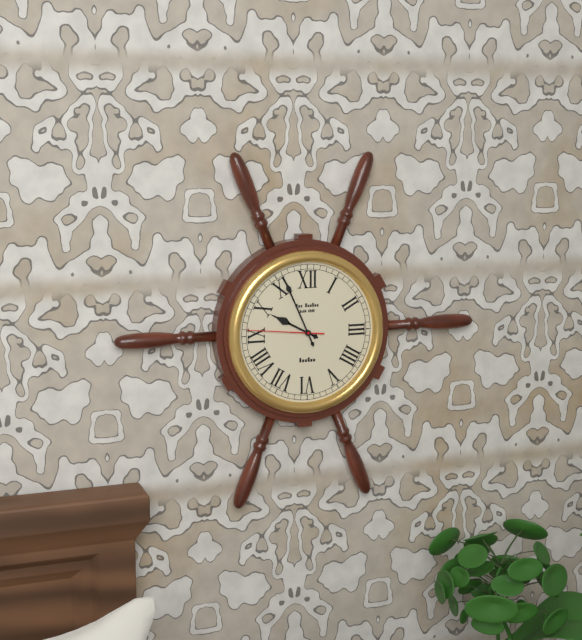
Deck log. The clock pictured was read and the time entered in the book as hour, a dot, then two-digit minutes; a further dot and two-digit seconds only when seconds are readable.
9.56.46
